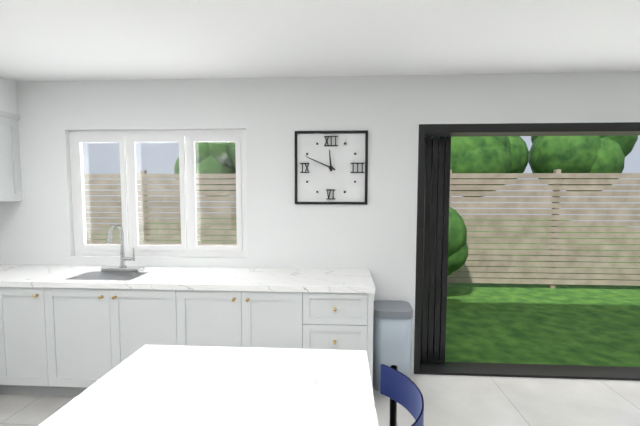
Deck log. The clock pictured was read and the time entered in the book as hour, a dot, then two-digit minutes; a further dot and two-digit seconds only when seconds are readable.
11.49
